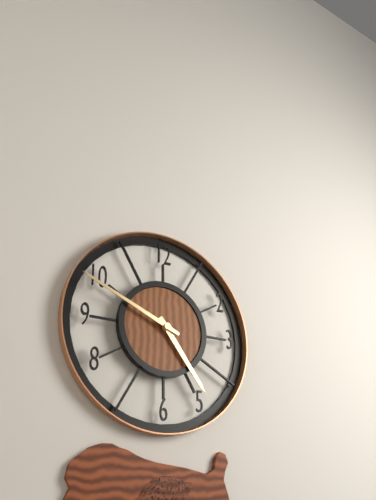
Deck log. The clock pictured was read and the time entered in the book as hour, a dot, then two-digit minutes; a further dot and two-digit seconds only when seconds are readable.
4.49
